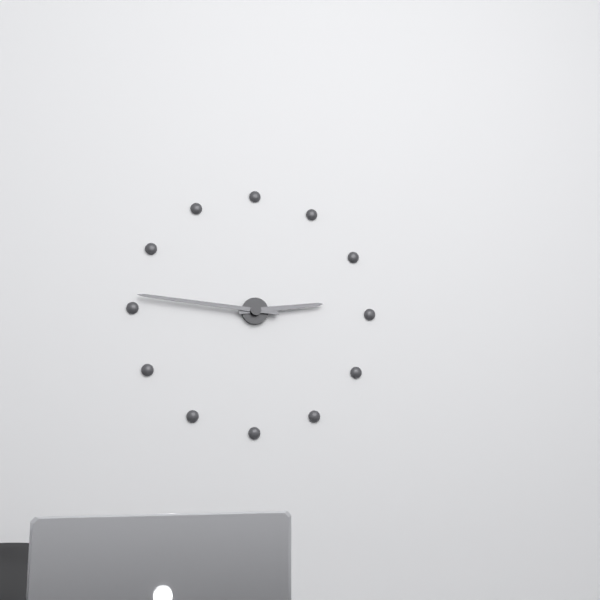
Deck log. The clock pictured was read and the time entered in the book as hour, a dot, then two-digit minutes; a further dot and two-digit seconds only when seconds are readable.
2.46
